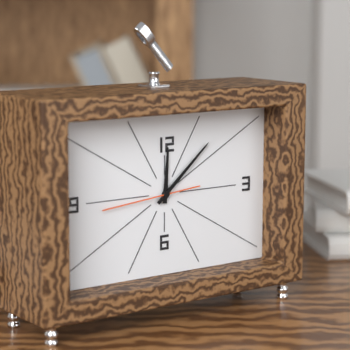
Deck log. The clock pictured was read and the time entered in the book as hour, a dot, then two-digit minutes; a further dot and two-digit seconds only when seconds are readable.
12.08.44
